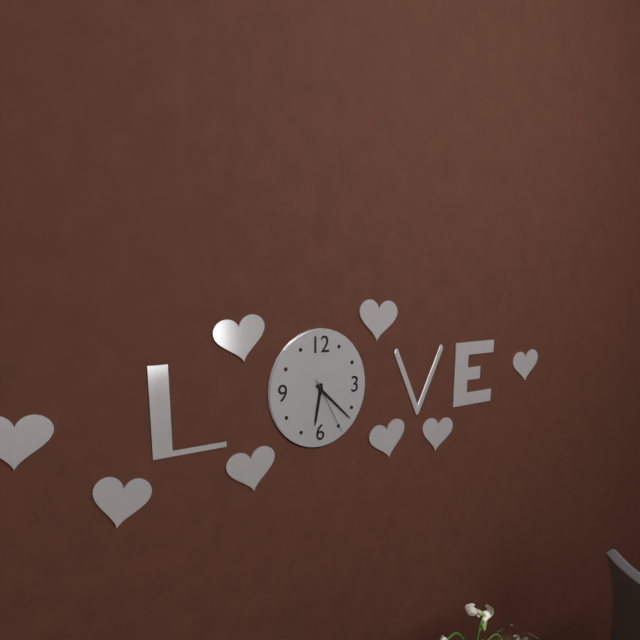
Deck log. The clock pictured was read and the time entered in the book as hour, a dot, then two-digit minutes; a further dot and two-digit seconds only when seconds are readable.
6.22.25
